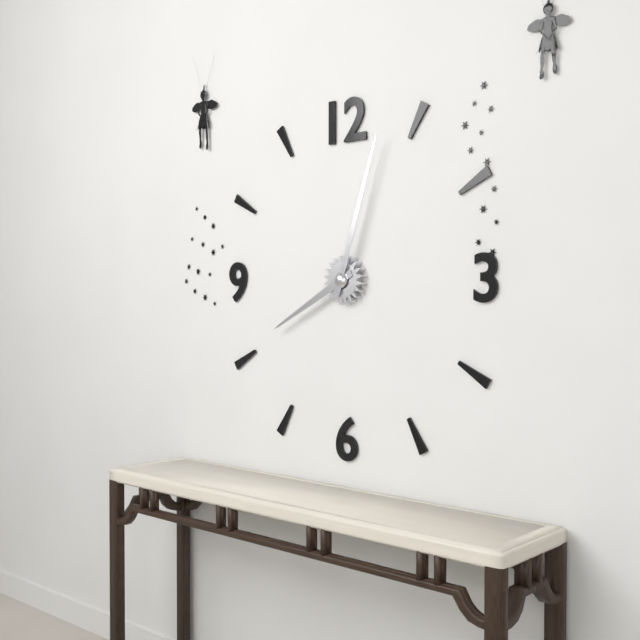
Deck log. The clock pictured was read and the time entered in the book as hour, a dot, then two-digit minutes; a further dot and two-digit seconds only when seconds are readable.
8.03
